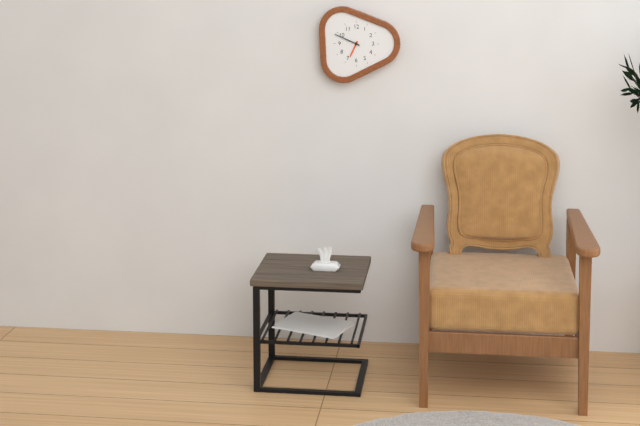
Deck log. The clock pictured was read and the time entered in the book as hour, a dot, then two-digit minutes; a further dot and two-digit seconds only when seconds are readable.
6.49
